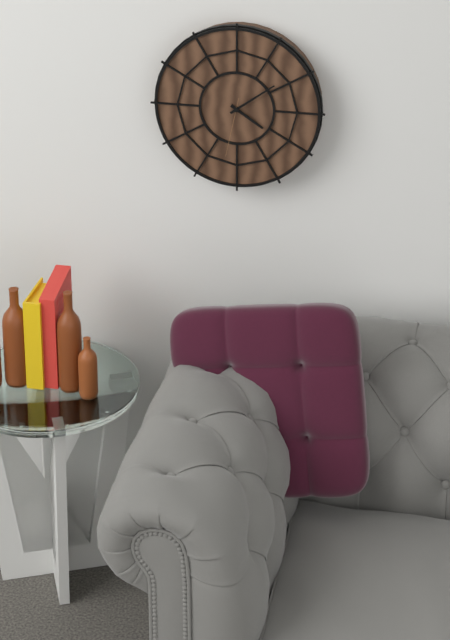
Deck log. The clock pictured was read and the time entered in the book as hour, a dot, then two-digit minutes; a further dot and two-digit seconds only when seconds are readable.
4.09.32
